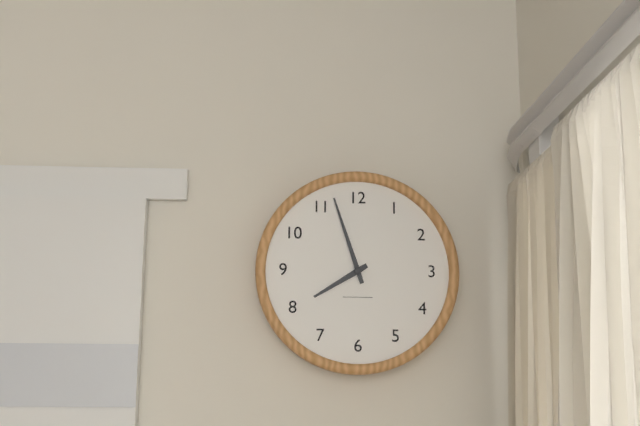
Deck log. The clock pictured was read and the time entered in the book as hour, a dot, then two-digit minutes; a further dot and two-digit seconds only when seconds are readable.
7.57
